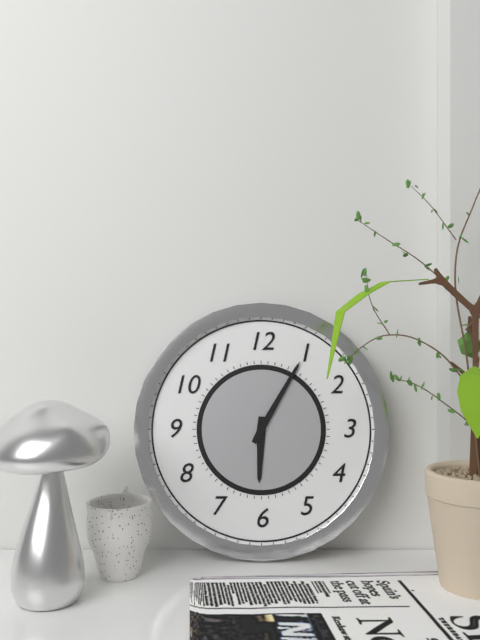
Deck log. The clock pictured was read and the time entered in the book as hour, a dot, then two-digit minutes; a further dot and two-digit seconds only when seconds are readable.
6.05
